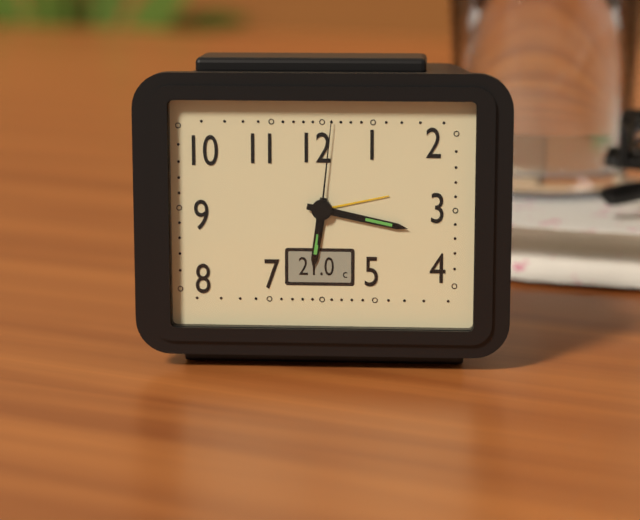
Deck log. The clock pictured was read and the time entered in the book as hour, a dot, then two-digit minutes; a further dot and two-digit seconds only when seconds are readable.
6.17.01
